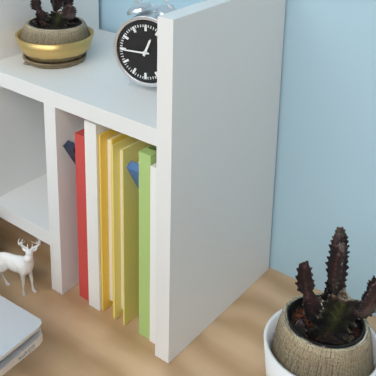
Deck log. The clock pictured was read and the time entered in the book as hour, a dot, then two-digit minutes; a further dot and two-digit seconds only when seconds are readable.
12.45
